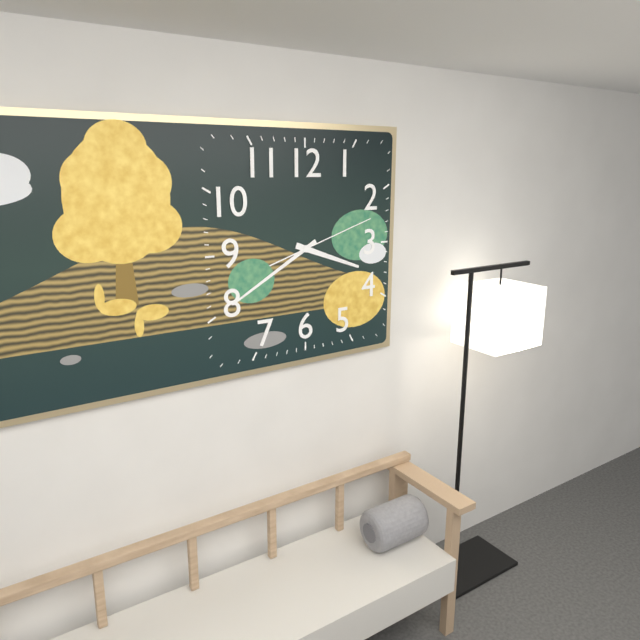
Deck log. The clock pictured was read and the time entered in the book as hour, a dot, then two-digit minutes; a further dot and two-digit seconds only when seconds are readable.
3.40.12
